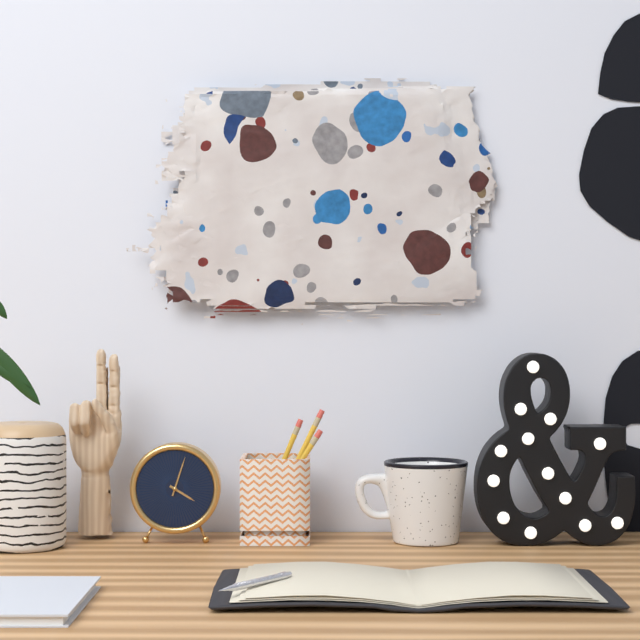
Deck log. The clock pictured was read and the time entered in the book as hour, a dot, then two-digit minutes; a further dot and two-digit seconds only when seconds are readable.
4.03
